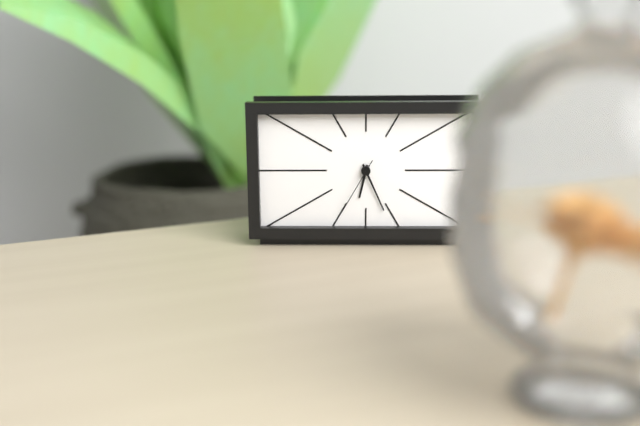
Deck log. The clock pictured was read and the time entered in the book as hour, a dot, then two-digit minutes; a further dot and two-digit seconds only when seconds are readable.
6.26.35
